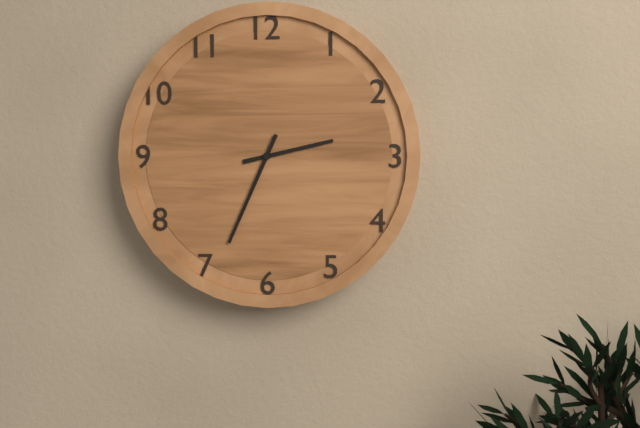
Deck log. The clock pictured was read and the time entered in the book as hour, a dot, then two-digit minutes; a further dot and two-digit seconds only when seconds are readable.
2.34
